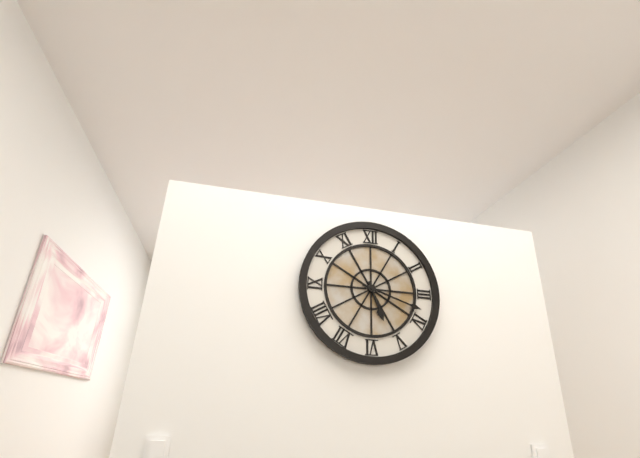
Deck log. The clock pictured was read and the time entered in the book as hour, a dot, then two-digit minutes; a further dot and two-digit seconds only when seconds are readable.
5.18
